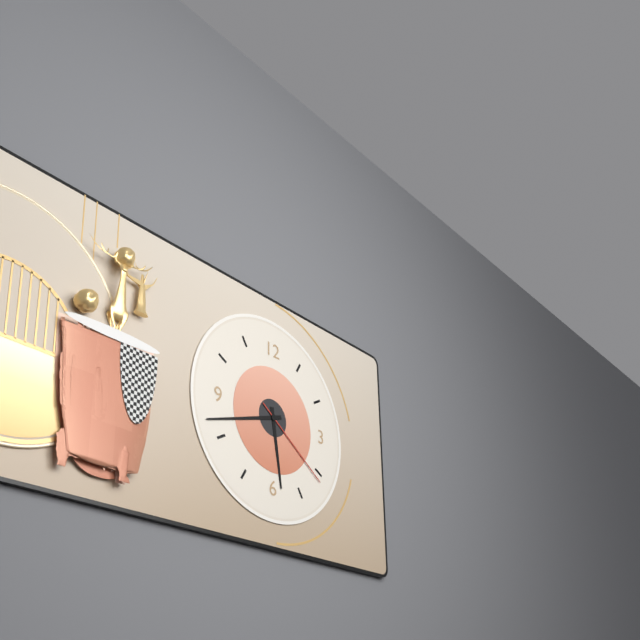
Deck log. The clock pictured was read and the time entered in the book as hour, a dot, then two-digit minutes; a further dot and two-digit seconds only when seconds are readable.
5.42.21
